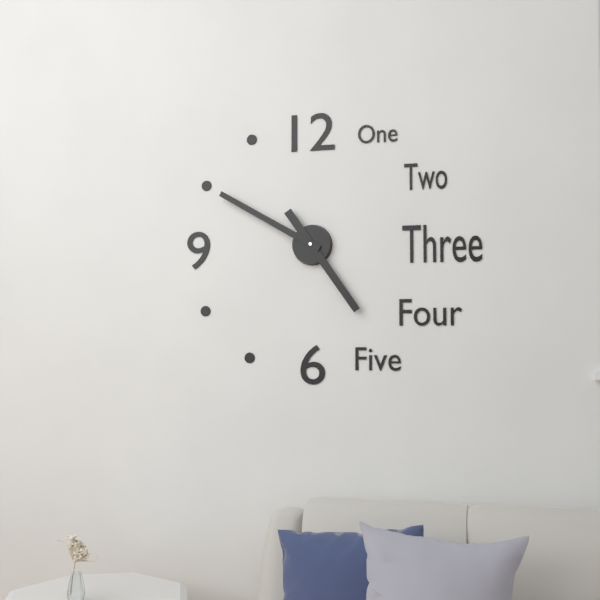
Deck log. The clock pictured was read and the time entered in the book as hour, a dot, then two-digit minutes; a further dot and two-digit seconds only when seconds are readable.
4.50
